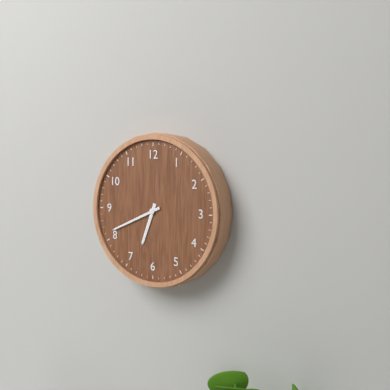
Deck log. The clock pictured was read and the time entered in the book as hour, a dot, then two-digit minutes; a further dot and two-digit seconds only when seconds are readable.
6.41
